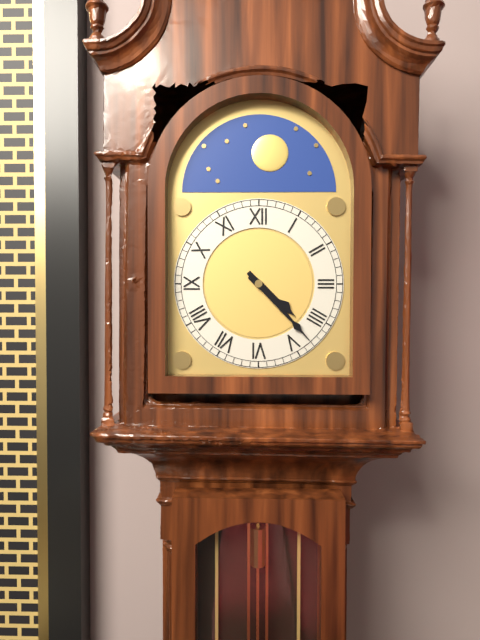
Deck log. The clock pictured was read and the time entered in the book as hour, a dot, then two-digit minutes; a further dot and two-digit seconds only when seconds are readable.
4.23
